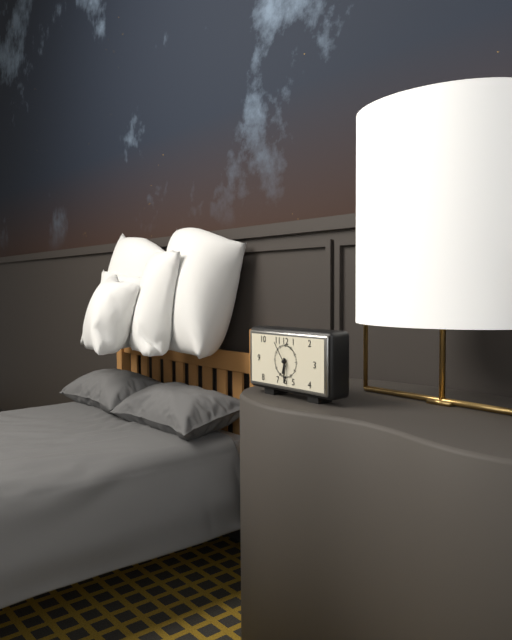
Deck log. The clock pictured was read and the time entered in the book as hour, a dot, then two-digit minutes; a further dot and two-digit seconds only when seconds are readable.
6.30
